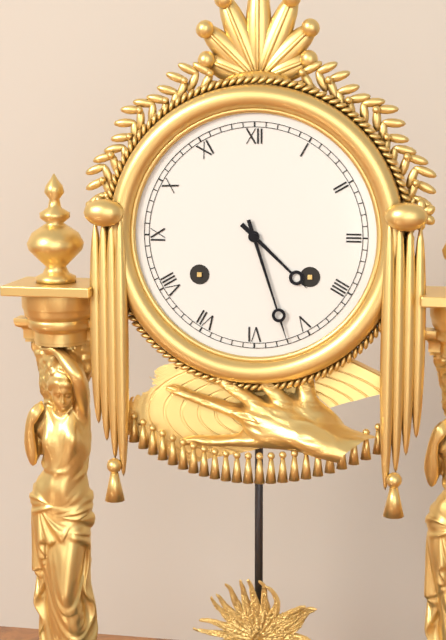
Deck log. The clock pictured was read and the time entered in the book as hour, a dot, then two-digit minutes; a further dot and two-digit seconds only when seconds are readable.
4.27
